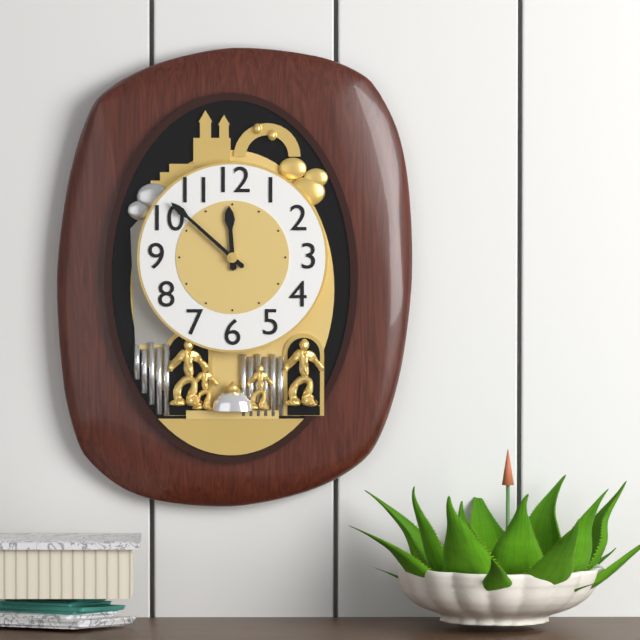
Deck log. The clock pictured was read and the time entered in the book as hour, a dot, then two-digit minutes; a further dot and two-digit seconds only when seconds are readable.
11.52
